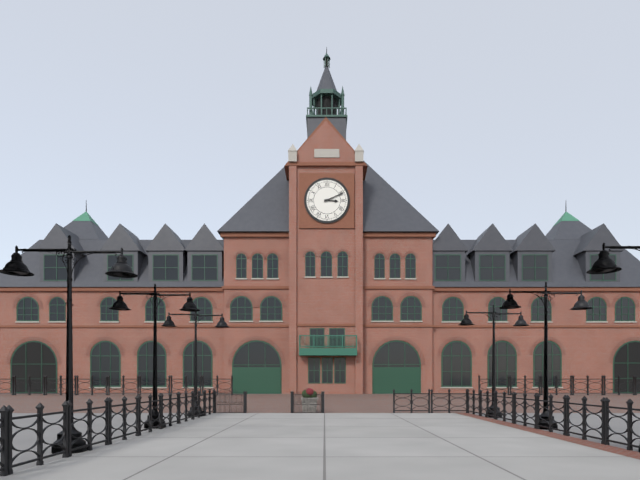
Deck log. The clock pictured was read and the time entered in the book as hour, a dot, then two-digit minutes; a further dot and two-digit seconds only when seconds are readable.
3.11
